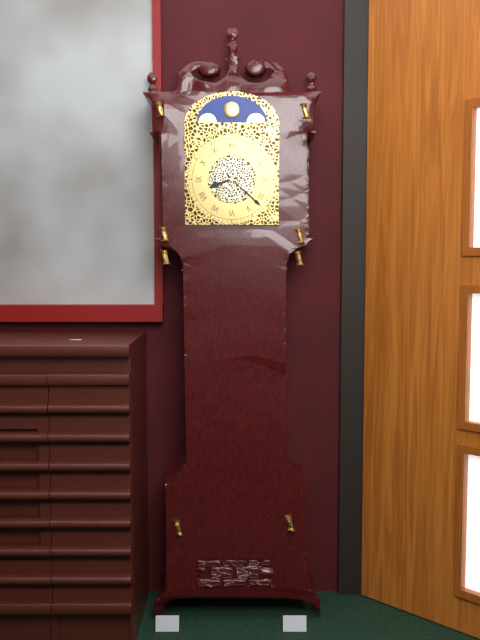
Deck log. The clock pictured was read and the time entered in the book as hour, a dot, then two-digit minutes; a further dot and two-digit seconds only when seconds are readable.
8.22
